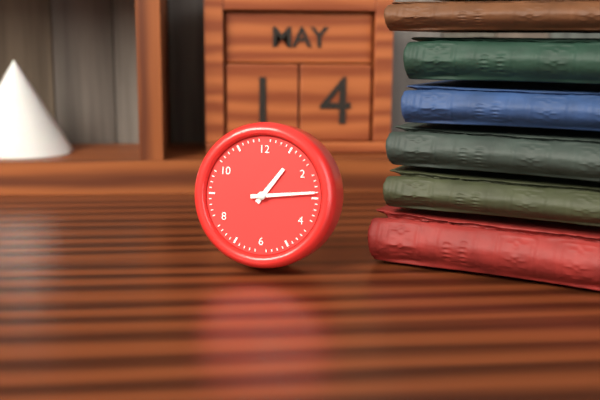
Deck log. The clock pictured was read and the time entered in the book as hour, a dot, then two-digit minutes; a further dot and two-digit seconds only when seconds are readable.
1.14
